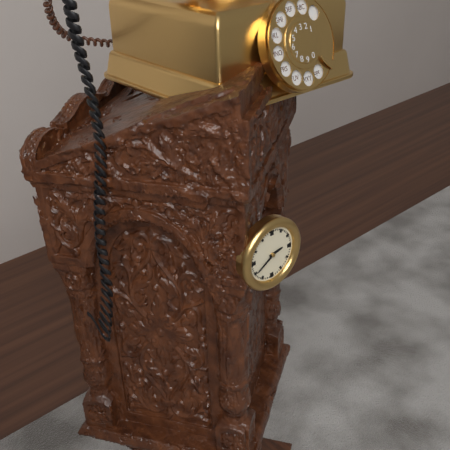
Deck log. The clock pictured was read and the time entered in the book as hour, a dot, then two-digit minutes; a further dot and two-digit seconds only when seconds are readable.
2.40
